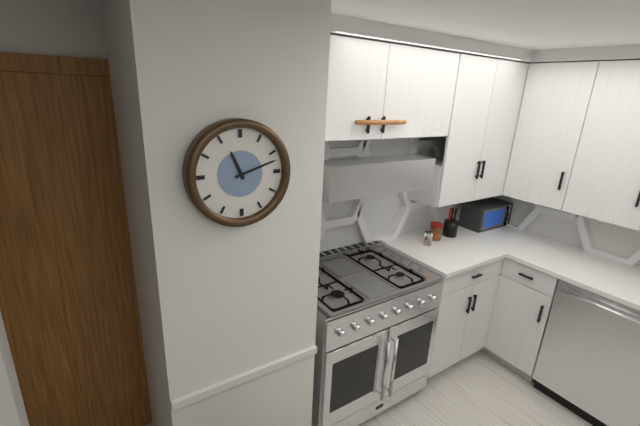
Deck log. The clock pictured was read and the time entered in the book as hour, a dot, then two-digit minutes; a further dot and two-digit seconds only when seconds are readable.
11.12
